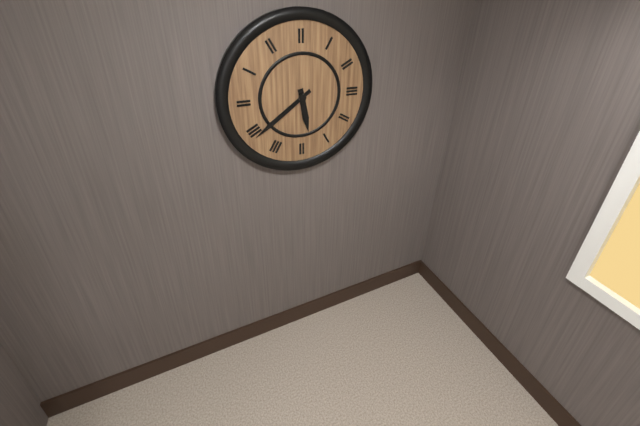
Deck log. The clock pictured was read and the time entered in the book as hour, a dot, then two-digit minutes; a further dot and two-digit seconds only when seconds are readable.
5.39
